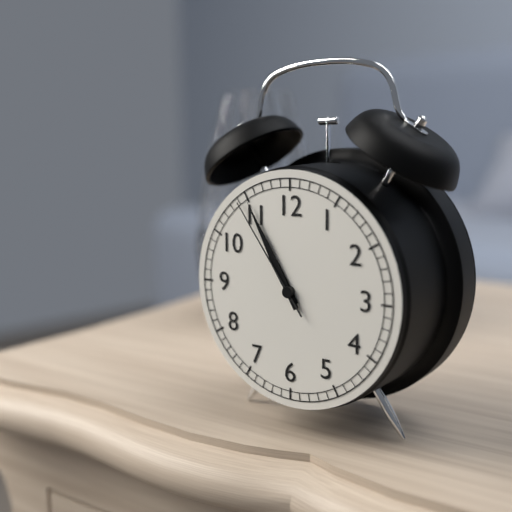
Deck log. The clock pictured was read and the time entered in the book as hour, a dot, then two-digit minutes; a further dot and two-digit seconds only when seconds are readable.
10.55.54
